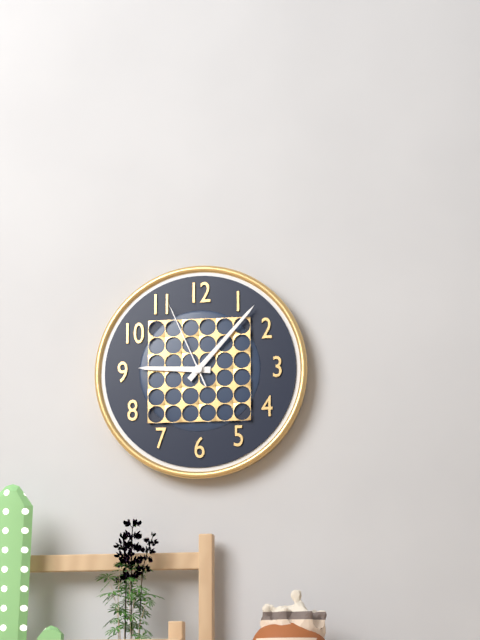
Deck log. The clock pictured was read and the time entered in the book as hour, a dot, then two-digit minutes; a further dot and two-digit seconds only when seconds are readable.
9.07.56
